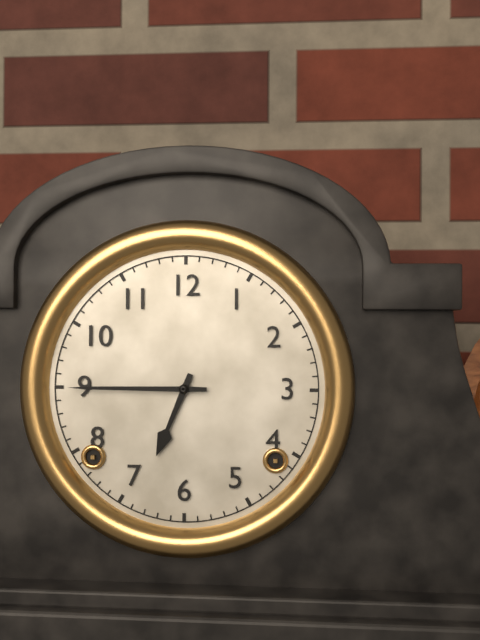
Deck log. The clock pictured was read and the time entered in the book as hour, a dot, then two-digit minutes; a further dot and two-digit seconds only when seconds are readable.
6.45
